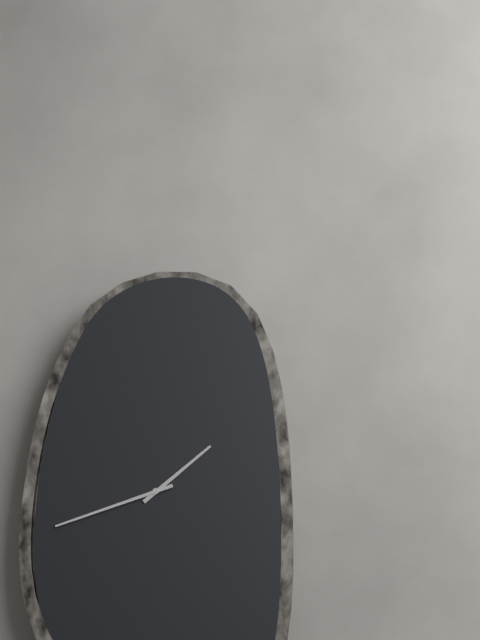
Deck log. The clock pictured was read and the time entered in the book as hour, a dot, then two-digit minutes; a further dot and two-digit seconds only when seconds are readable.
1.42
